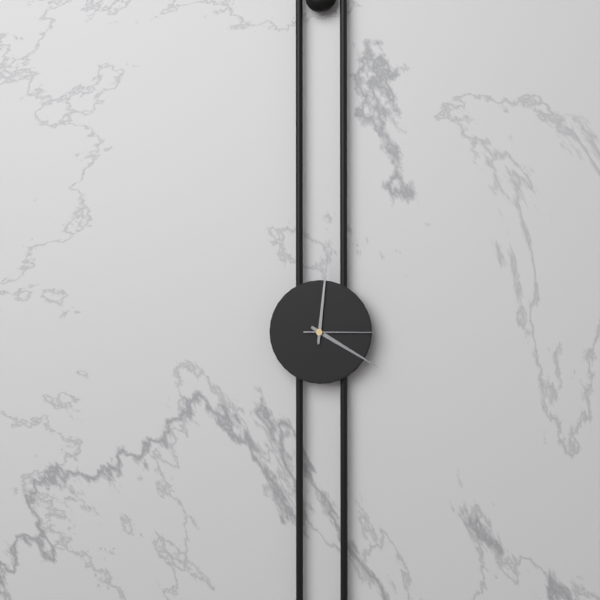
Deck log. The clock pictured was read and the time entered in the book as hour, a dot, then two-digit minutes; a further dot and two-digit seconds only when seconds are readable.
4.01.15
